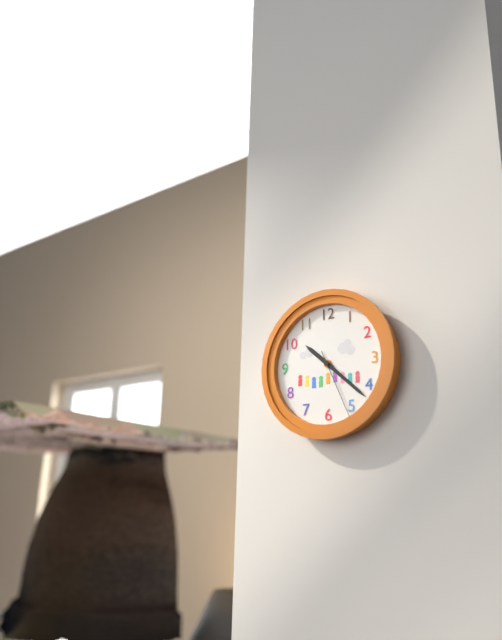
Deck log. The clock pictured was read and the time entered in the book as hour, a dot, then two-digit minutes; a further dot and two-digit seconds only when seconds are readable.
10.22.26
